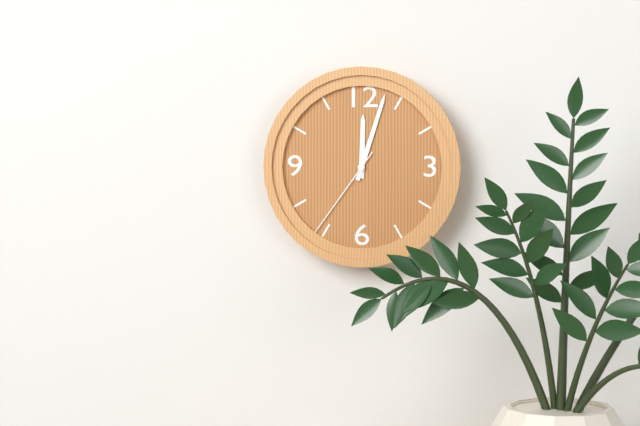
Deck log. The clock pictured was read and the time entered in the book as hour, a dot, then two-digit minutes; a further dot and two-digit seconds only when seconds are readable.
12.03.36
